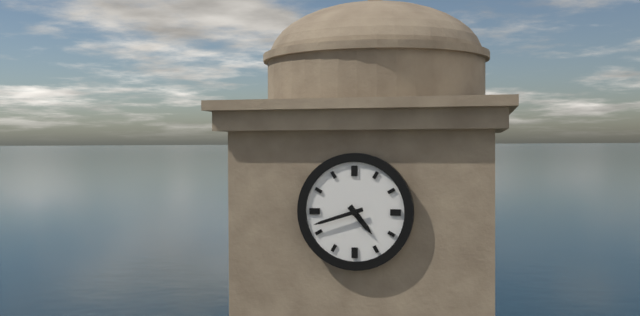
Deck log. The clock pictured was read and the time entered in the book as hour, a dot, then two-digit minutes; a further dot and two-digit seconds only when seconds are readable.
4.42
